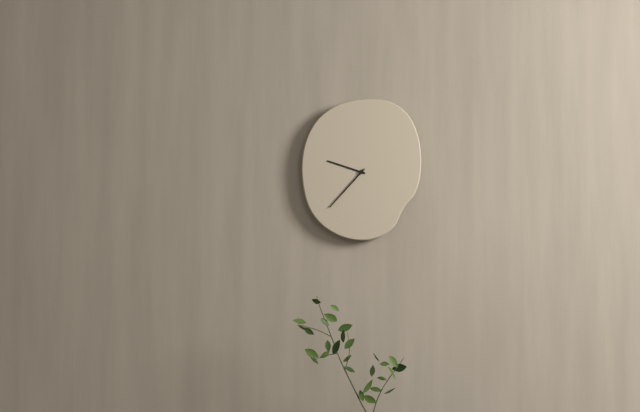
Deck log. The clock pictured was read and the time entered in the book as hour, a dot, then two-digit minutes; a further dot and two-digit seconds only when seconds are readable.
9.37
